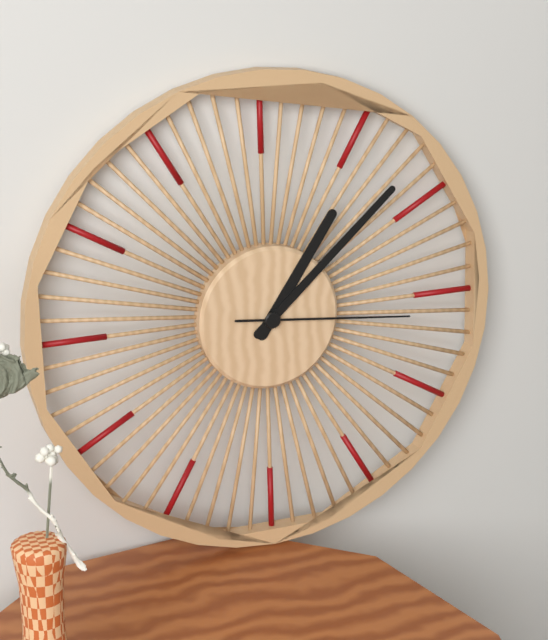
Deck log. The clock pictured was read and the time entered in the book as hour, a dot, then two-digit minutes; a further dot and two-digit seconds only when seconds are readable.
1.08.16
